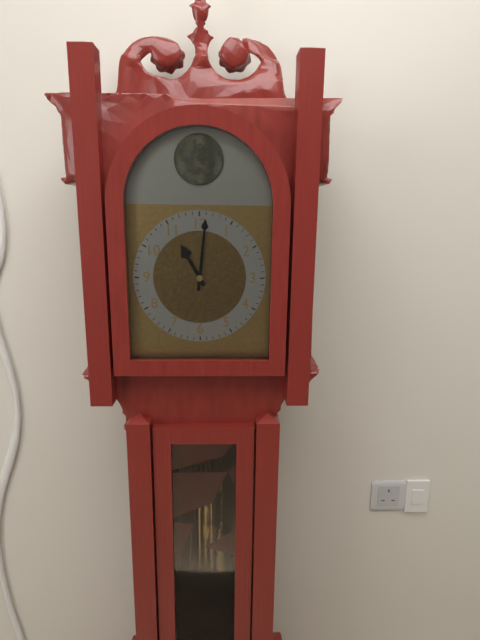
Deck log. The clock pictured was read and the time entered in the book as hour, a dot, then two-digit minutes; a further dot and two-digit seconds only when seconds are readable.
11.01
